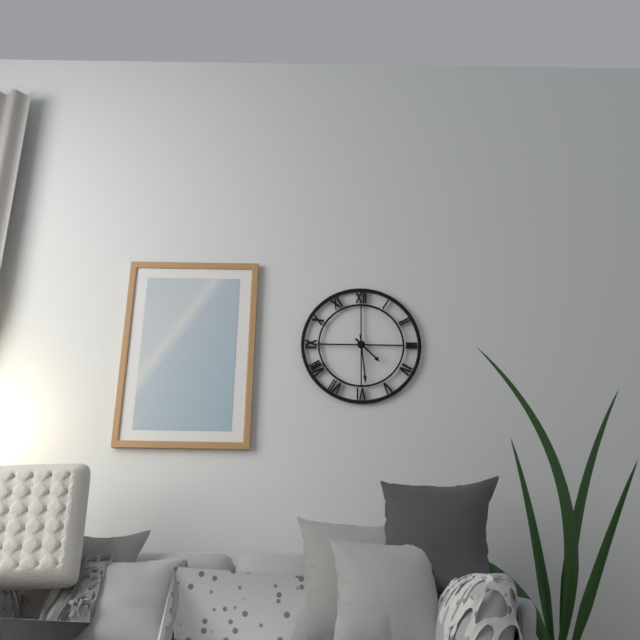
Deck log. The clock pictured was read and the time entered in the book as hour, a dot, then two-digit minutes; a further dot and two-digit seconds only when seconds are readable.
4.29
